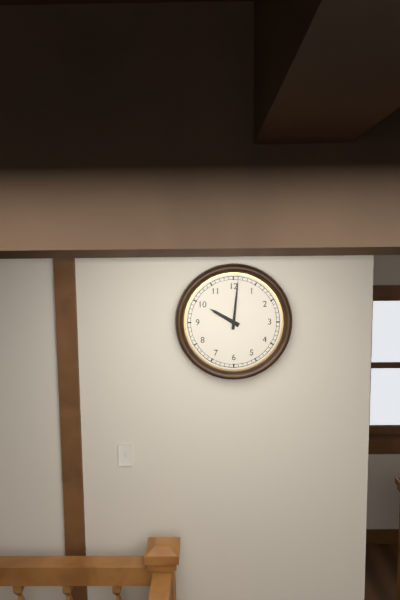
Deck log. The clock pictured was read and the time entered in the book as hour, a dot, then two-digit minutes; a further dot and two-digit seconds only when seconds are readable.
10.01
